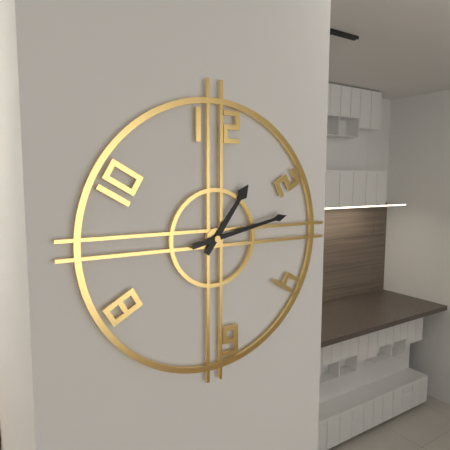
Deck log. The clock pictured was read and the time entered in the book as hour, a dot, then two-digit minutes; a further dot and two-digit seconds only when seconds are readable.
1.13
